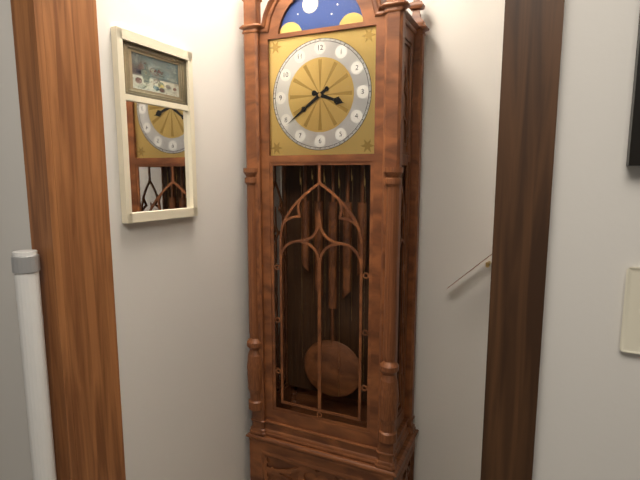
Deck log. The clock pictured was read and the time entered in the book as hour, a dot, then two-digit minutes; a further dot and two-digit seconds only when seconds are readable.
3.39
